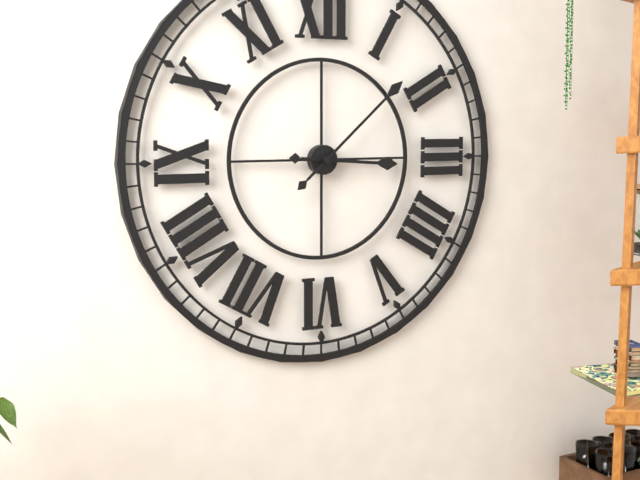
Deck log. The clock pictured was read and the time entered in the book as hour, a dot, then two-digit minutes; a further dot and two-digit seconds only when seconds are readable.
3.08
